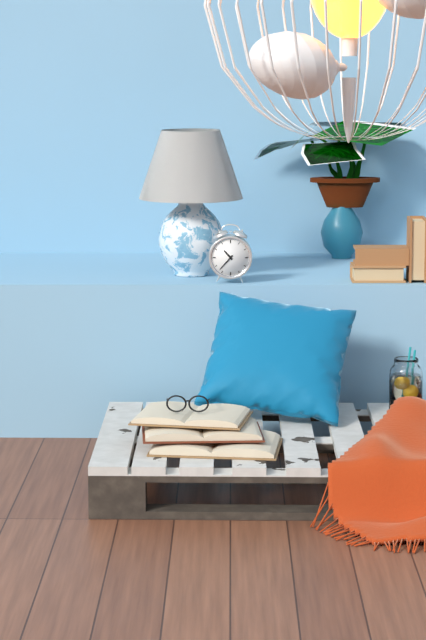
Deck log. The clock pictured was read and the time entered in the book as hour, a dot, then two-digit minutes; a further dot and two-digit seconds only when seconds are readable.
10.37
